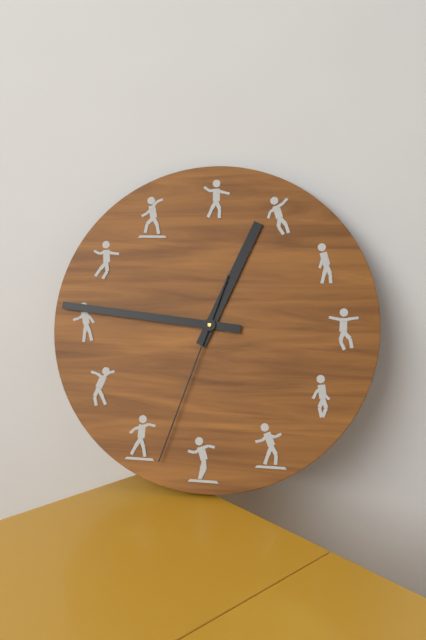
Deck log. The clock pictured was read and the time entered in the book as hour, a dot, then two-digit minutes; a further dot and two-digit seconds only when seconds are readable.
12.46.33
